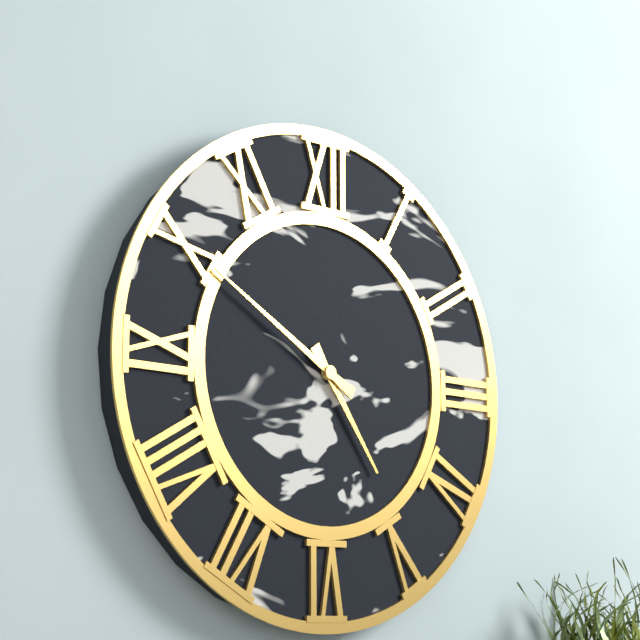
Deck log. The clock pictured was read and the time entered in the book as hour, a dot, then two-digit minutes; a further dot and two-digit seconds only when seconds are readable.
4.50
